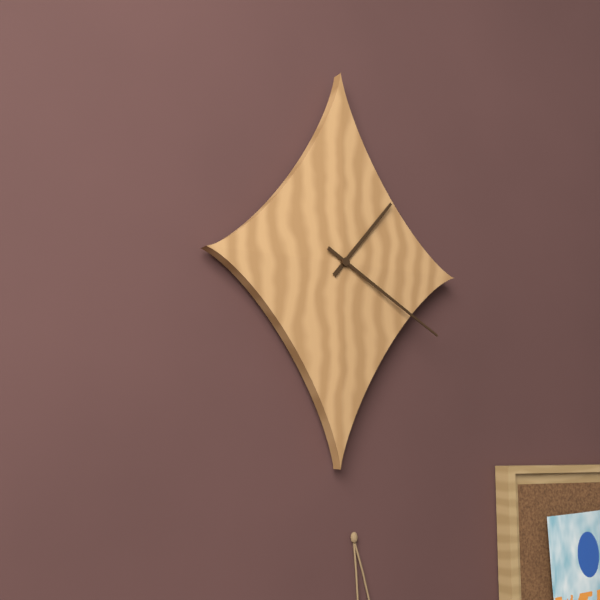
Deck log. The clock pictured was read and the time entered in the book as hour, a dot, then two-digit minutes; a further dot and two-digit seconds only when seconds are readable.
1.20
